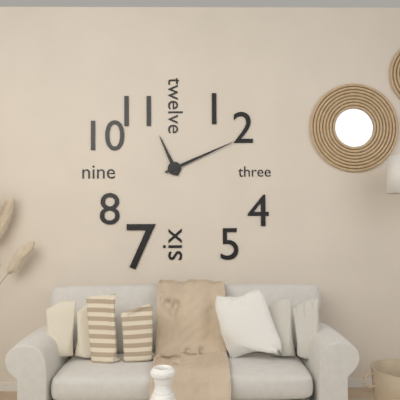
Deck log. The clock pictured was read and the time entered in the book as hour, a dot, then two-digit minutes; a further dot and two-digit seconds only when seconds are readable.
11.11
